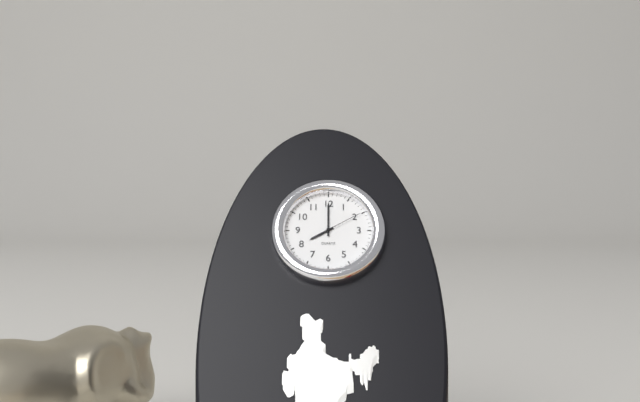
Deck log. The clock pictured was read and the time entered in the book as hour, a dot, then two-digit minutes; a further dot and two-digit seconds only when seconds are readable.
8.00
